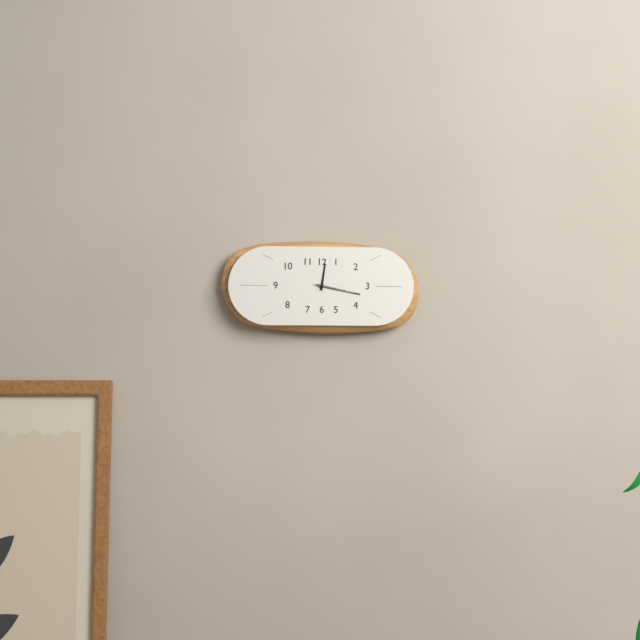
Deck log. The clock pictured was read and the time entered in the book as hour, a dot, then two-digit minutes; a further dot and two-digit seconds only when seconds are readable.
12.17
